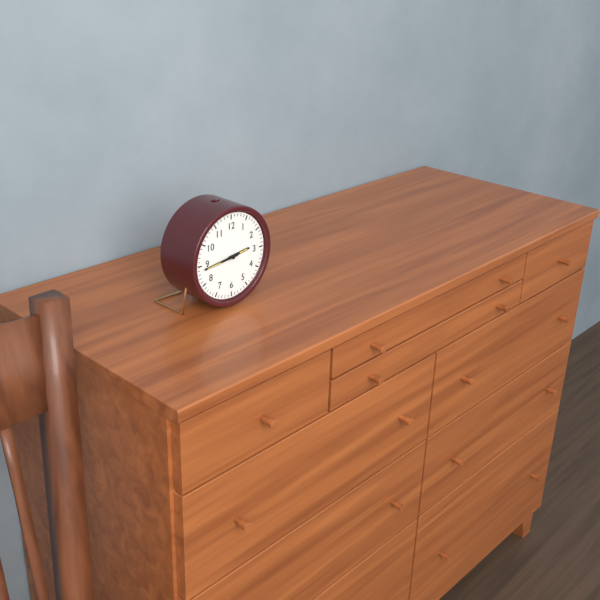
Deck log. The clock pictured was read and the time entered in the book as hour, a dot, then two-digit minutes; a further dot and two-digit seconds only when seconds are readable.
2.44
